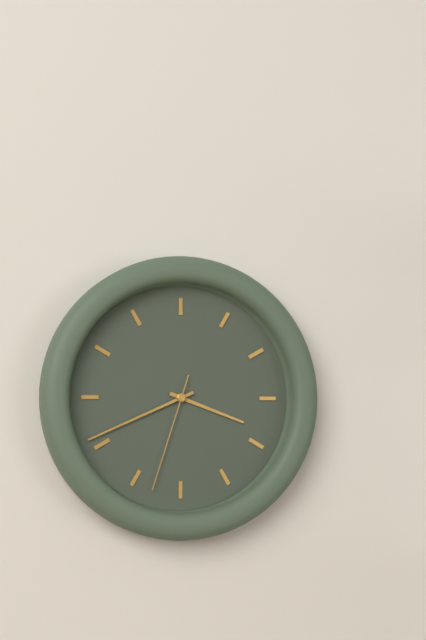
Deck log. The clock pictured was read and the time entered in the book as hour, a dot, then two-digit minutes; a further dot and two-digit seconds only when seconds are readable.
3.41.33
